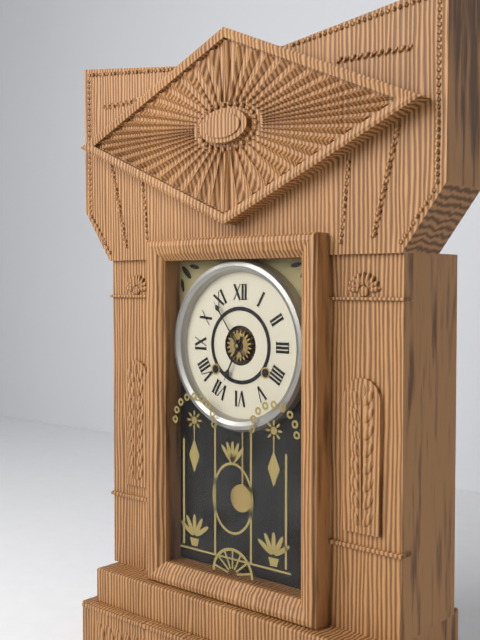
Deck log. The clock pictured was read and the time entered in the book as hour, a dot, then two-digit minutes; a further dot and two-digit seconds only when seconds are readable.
6.54
